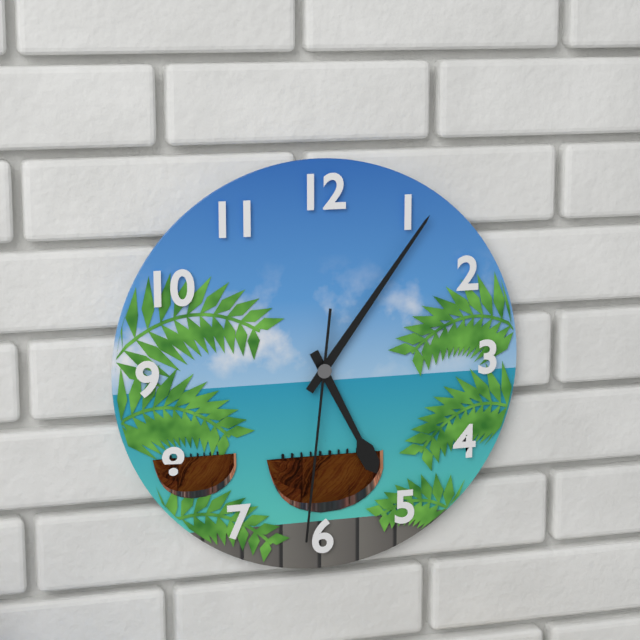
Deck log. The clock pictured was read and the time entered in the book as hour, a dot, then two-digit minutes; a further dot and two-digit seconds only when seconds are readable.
5.06.31
